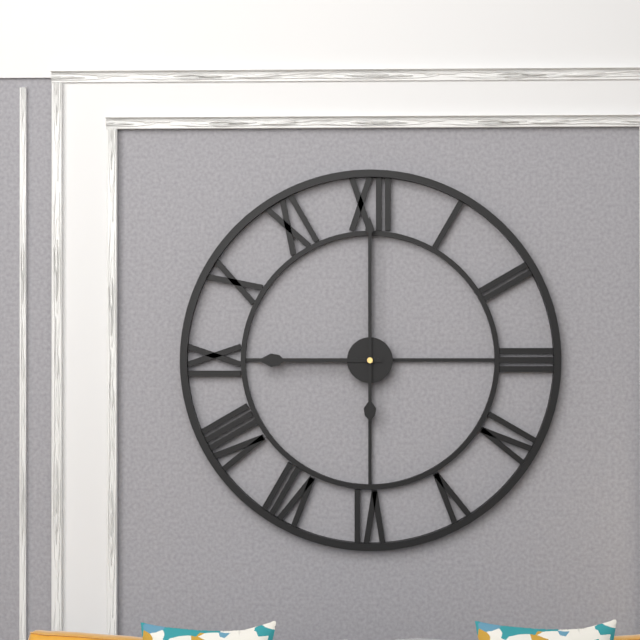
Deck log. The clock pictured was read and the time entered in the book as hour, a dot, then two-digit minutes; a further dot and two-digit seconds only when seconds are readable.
9.00
